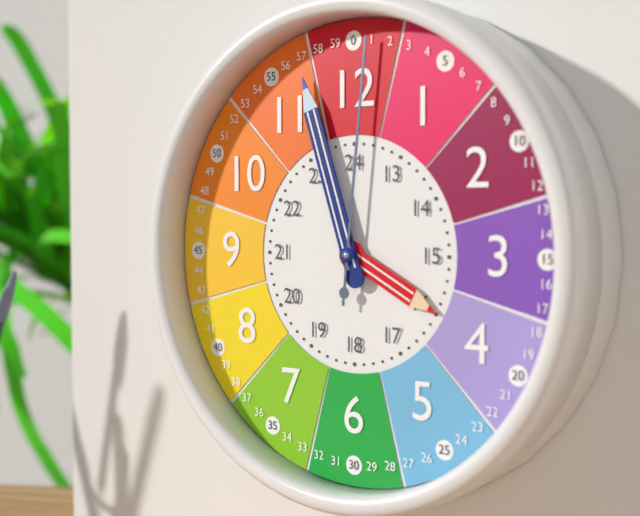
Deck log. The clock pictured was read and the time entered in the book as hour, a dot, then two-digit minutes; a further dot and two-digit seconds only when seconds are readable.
3.57.01
